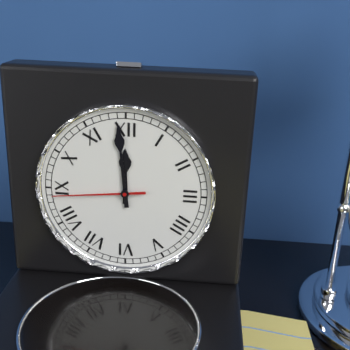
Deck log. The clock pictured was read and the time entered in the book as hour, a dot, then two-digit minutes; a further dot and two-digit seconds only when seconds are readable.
11.59.44
